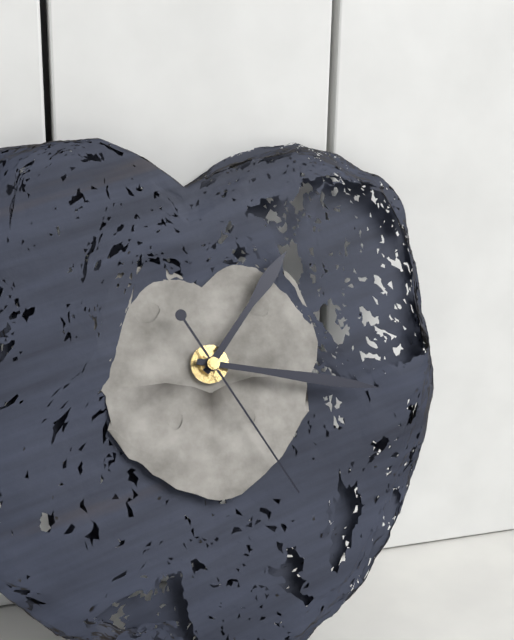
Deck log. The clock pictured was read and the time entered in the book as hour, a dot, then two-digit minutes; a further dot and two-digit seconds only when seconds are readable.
1.17.25
